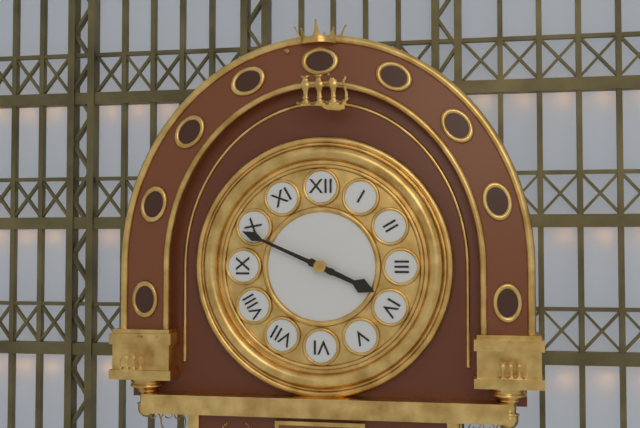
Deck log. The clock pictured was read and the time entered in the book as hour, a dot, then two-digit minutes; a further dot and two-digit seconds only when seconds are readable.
3.49
